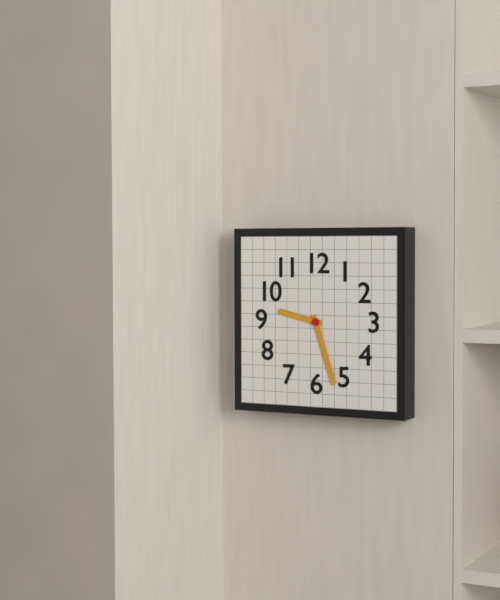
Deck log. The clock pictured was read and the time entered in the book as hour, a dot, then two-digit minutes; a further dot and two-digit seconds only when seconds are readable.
9.27
